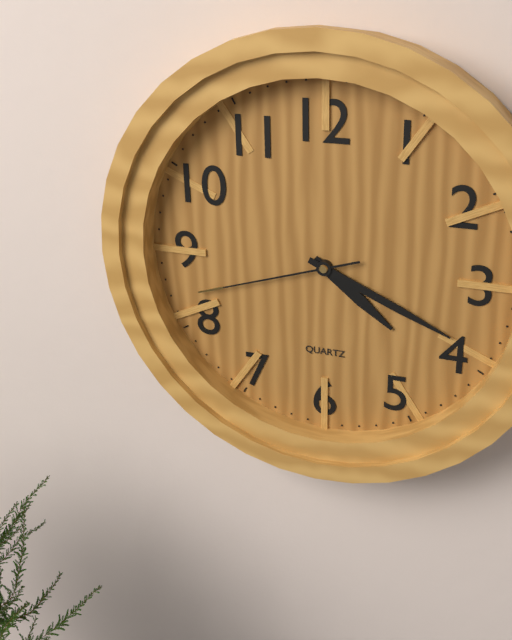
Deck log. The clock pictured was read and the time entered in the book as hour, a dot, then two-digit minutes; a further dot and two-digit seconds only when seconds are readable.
4.19.42
